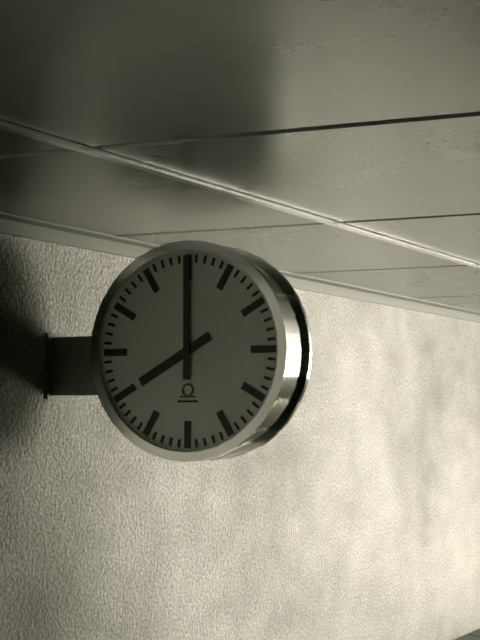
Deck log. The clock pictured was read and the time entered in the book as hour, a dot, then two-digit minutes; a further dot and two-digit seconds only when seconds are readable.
8.00
